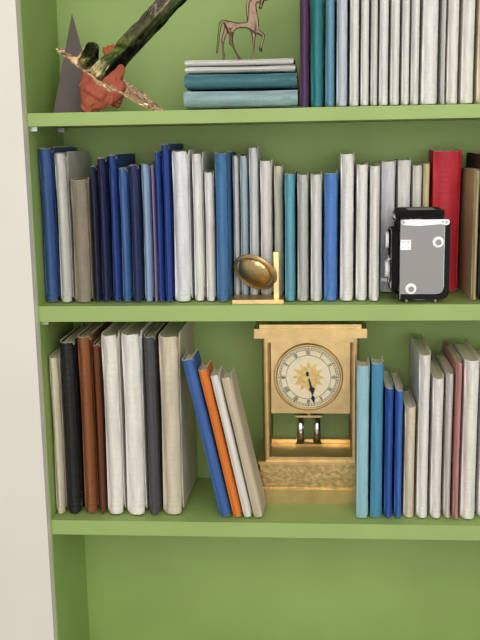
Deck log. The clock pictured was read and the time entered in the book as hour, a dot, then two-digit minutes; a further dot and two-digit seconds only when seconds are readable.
5.28
